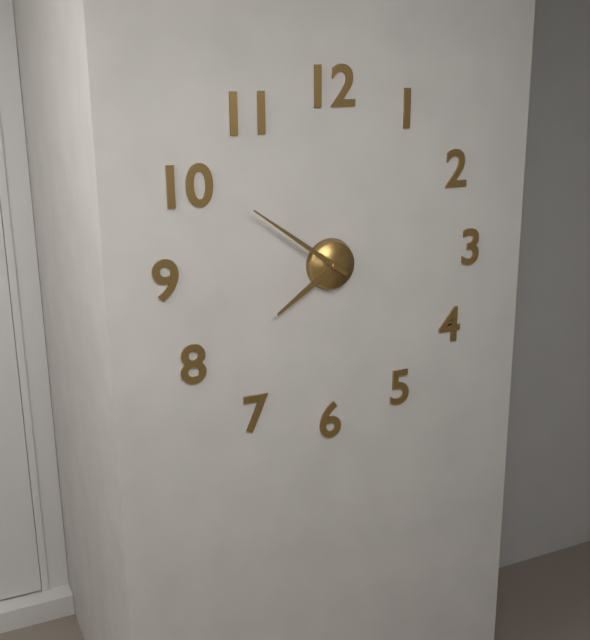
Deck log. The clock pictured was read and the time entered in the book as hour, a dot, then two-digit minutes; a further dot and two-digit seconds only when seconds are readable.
7.51
